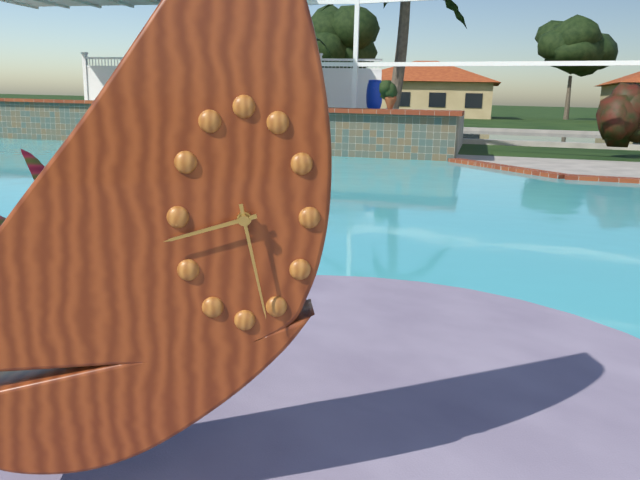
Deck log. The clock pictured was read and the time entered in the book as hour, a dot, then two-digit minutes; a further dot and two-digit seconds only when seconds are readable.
8.28
